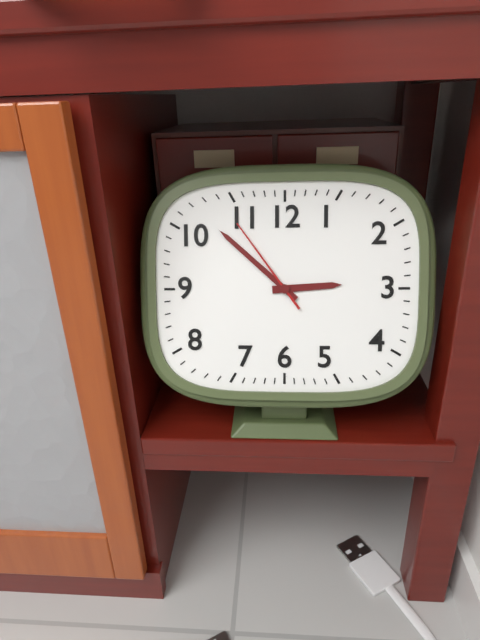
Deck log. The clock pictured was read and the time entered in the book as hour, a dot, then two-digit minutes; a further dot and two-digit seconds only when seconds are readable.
2.52.54
